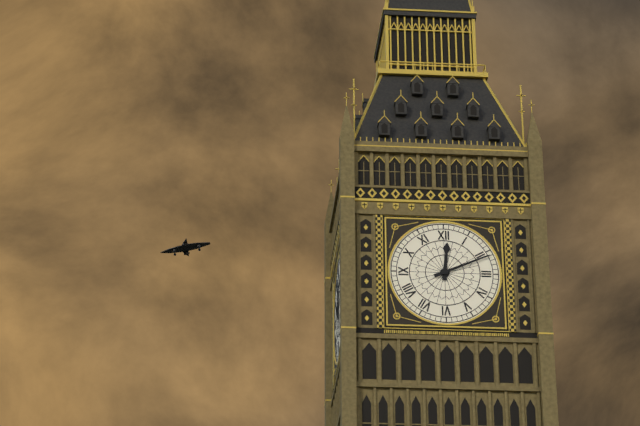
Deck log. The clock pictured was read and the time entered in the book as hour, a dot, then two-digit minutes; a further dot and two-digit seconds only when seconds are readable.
12.11
